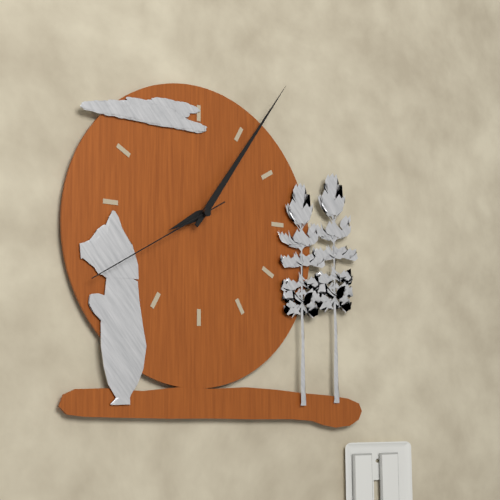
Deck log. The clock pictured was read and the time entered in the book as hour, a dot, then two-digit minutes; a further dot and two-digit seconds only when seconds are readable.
8.06.40
